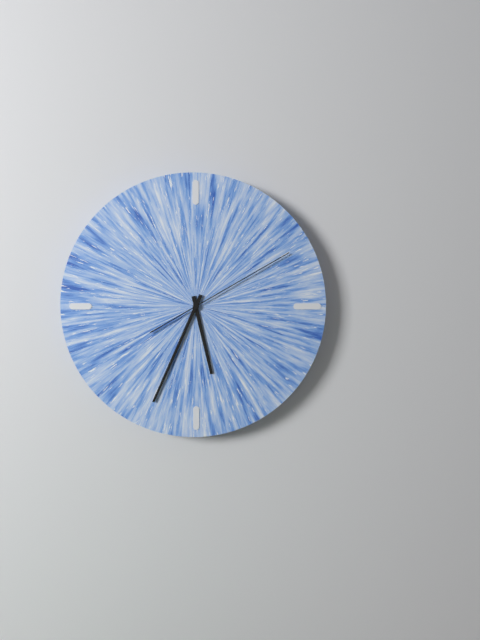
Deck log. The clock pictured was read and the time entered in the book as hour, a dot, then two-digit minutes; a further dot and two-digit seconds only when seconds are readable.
5.34.10
